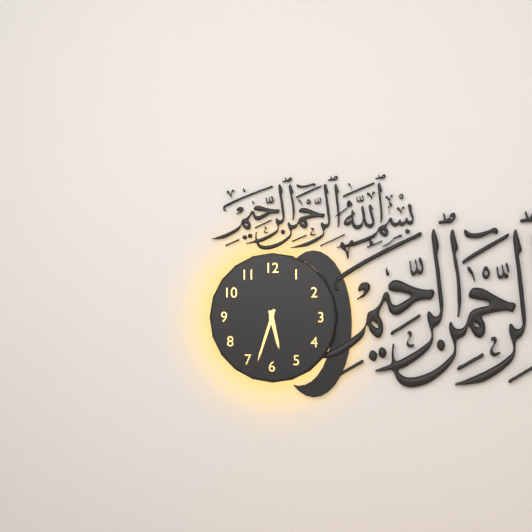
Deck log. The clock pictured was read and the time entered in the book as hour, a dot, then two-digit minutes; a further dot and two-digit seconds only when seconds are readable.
5.33
